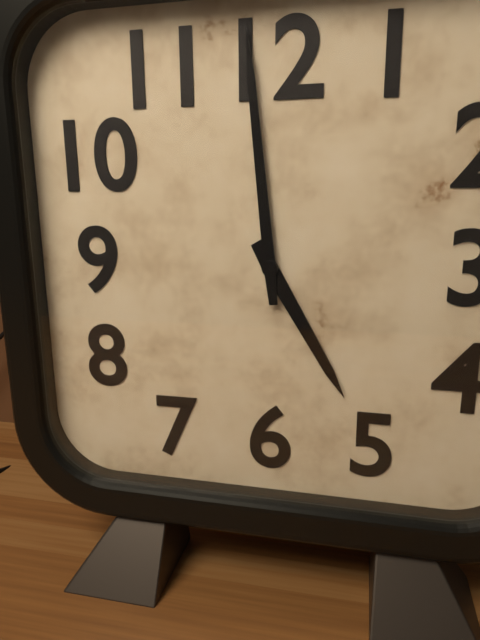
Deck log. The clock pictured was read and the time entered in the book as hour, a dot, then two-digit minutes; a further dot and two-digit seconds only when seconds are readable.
4.59
